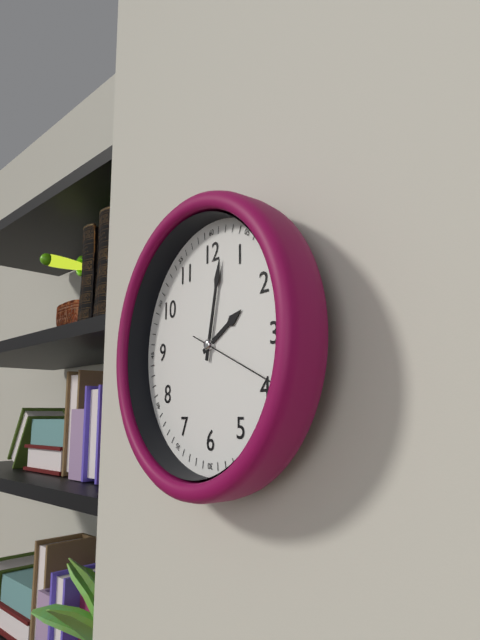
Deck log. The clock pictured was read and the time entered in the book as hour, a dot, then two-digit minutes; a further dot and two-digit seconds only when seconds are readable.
2.02.19
